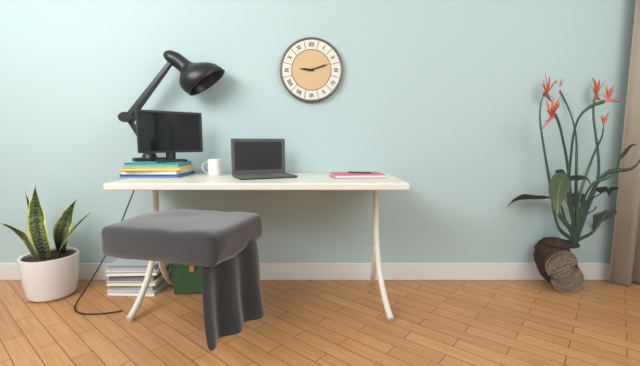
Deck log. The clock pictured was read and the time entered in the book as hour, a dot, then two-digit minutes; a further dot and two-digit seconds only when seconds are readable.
9.12
